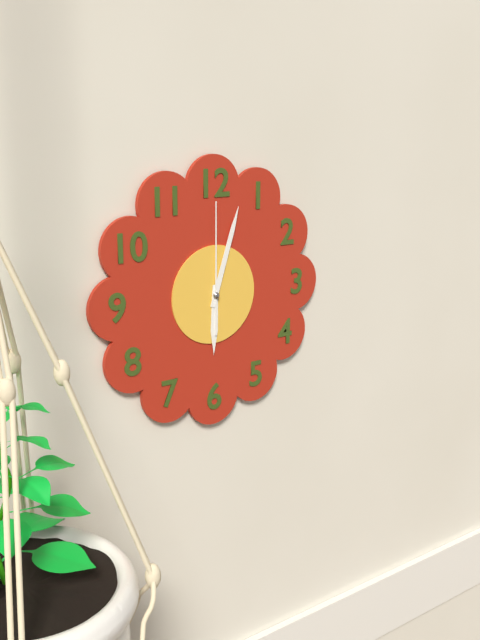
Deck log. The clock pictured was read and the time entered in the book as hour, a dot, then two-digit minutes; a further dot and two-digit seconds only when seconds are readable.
6.03.00
